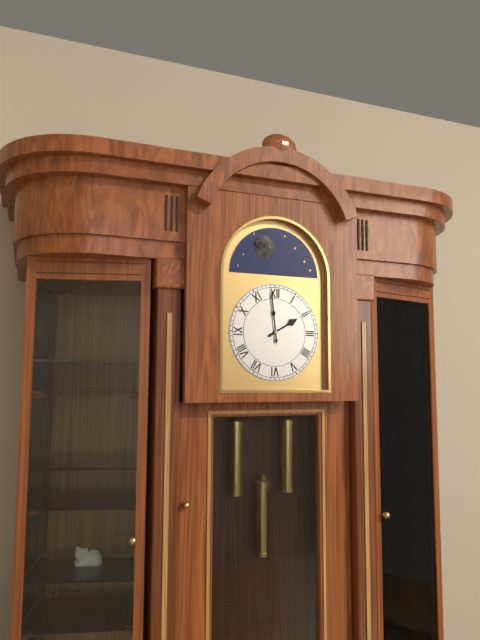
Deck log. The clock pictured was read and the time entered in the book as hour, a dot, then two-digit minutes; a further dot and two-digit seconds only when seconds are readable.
1.59
